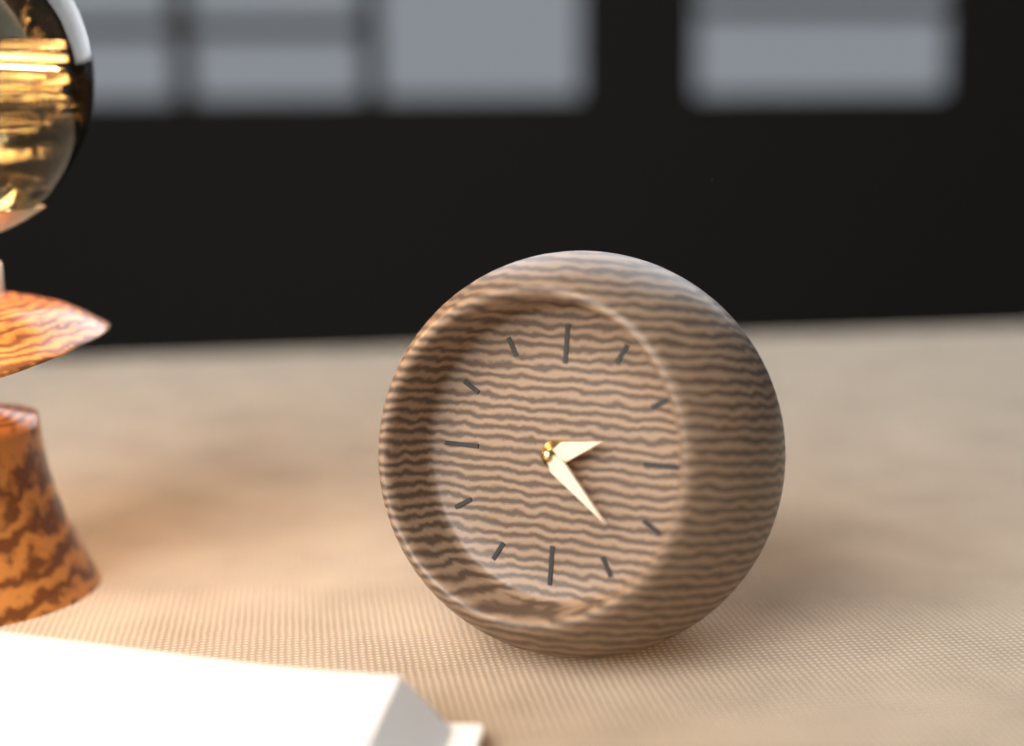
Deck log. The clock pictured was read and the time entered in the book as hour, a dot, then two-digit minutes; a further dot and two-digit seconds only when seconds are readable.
2.22
